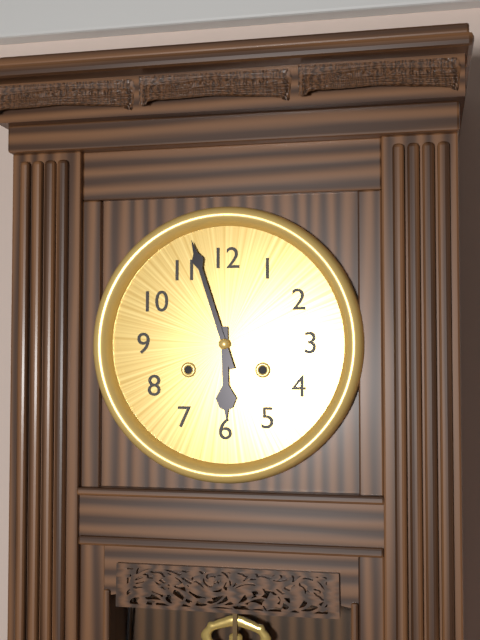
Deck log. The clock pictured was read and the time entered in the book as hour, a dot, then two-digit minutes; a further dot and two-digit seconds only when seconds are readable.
5.57
